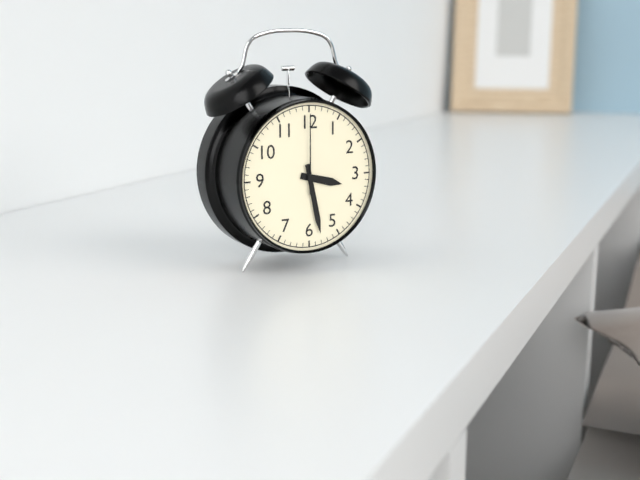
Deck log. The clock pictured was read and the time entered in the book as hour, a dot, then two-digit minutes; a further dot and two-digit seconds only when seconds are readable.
3.28.00
